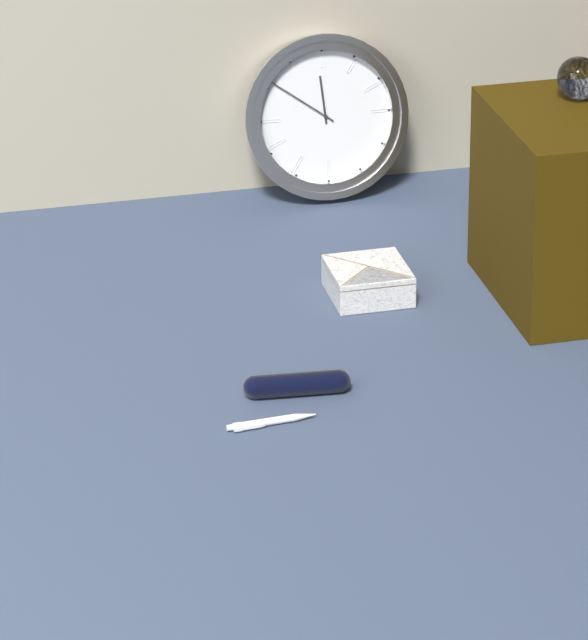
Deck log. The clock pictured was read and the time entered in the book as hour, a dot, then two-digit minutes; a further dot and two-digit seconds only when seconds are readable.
11.51
